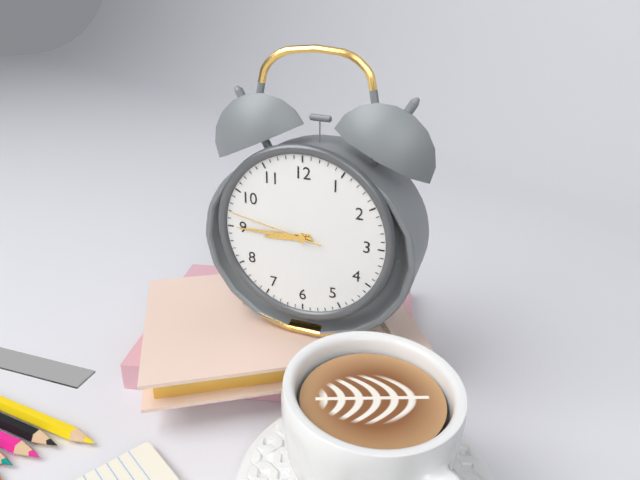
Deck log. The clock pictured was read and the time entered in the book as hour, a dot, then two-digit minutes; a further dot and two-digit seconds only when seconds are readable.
8.45.47
